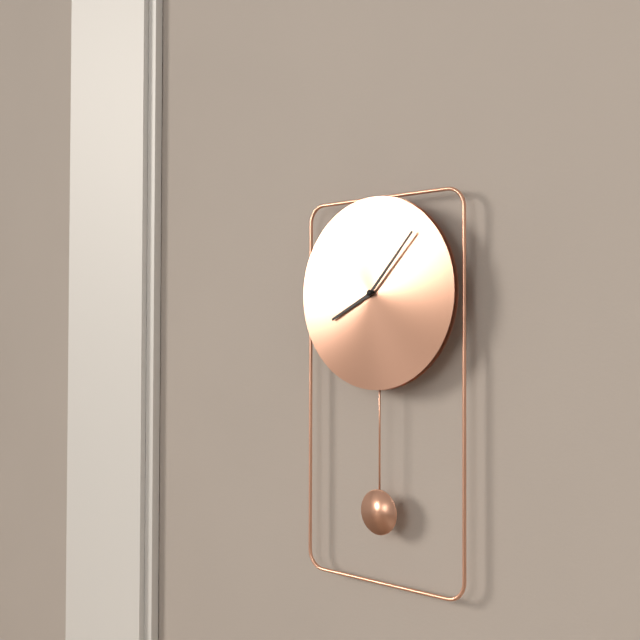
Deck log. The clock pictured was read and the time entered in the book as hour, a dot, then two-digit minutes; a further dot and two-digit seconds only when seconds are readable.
8.07
